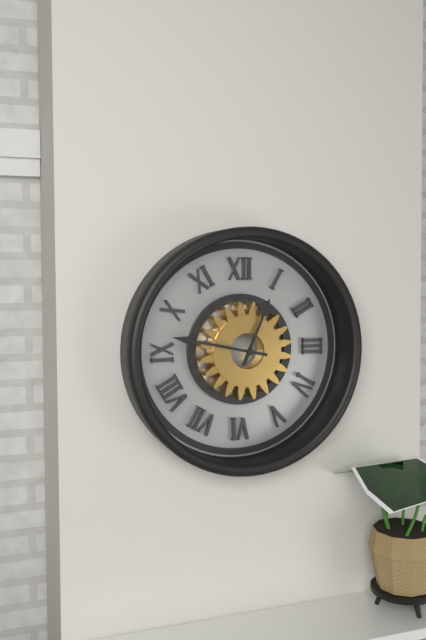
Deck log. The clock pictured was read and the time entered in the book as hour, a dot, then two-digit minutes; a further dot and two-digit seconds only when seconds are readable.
12.47
